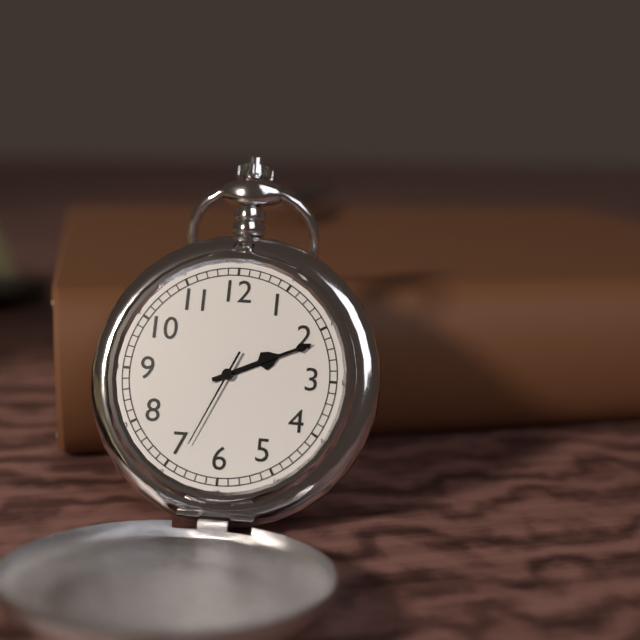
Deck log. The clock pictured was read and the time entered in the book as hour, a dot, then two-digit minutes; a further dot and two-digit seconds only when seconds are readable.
2.11.34
